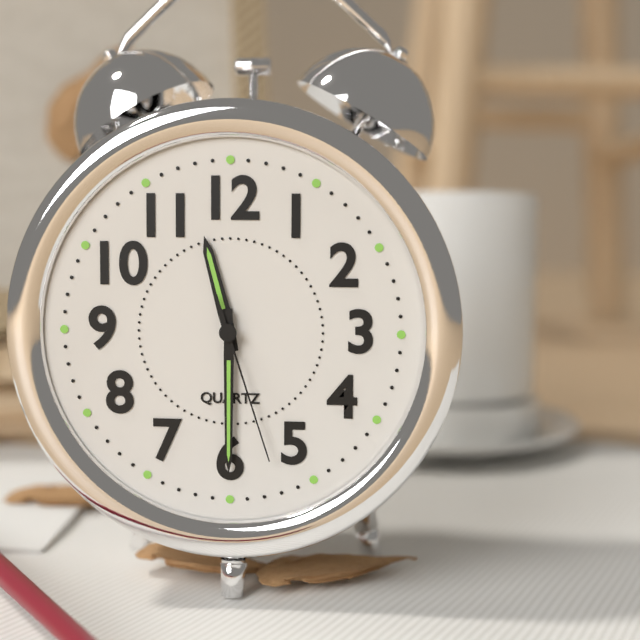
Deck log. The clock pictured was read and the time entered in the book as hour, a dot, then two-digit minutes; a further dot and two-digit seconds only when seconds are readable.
11.30.27
